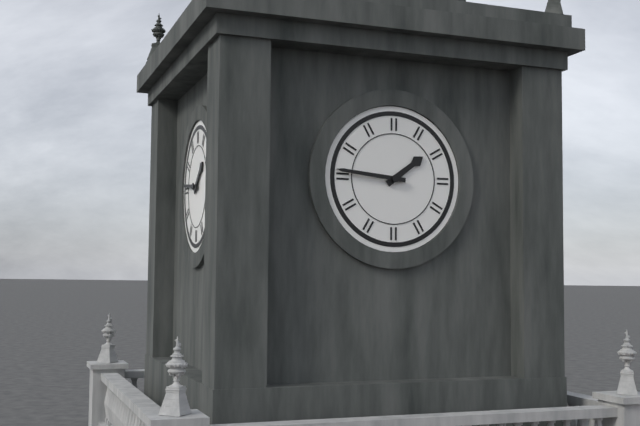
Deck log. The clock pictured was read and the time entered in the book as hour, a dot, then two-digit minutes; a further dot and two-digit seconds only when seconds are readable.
1.46
